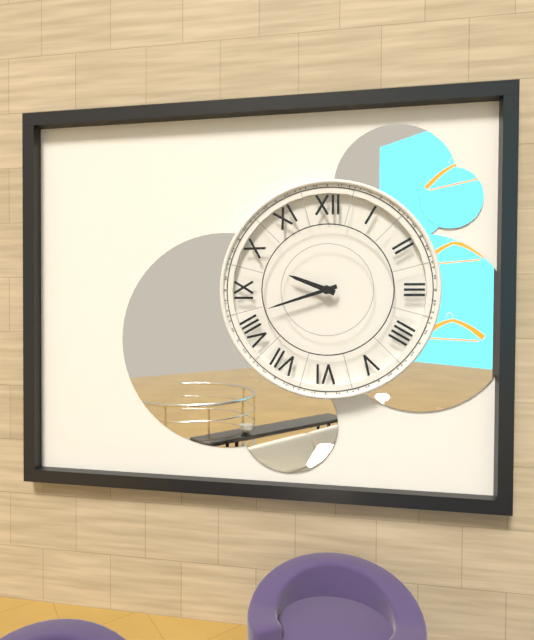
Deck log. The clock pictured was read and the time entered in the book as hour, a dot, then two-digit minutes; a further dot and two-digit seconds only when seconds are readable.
9.42
